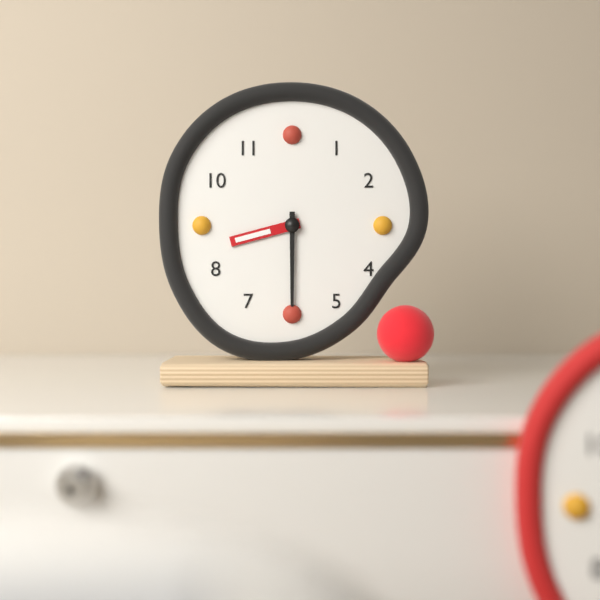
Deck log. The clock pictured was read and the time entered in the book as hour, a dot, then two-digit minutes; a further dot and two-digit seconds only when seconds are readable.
8.30
